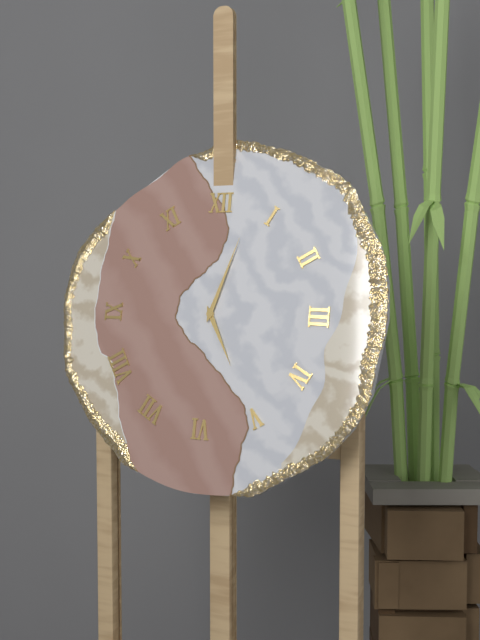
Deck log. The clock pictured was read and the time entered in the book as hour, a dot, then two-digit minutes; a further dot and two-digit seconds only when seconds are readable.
5.03
